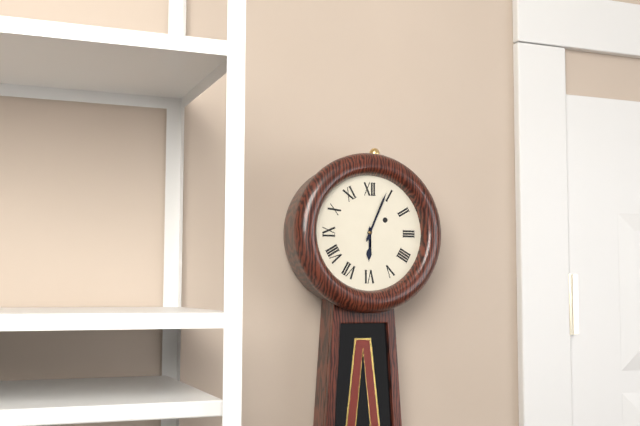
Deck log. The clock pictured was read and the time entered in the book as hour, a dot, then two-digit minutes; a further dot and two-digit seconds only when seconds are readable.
6.04
